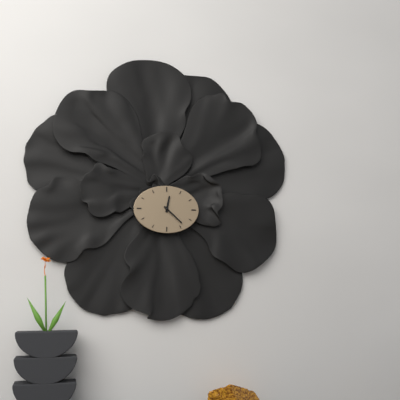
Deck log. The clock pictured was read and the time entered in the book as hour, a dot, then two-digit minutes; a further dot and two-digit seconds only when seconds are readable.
12.22
